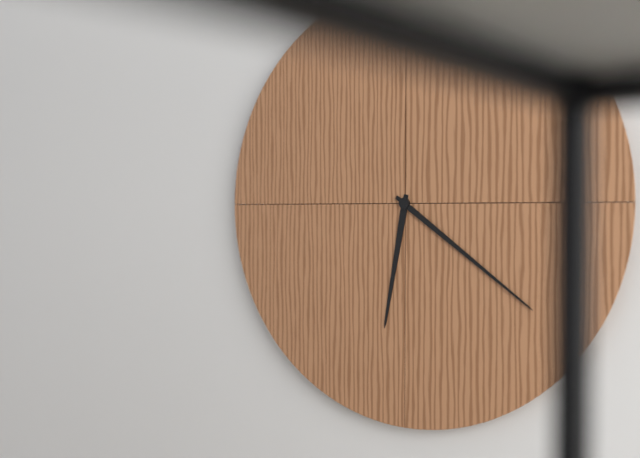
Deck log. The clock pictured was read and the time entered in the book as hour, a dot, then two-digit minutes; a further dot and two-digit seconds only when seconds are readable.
6.21
